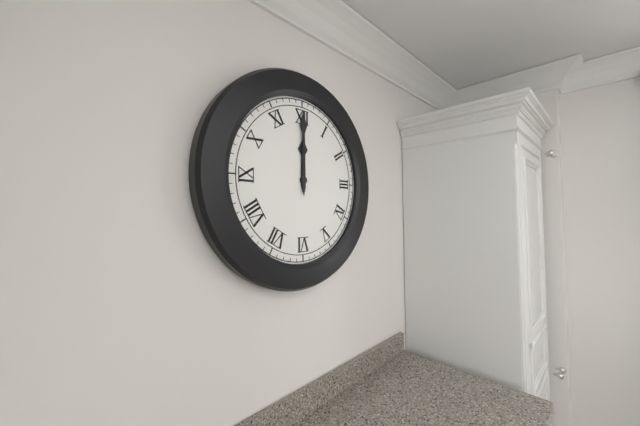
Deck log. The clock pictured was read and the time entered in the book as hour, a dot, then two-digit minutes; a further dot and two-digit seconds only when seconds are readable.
12.00
